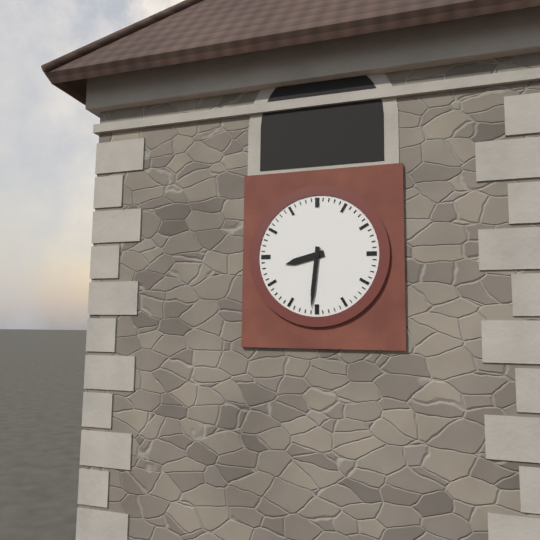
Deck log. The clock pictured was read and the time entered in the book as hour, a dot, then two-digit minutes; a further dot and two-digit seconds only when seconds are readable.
8.31
